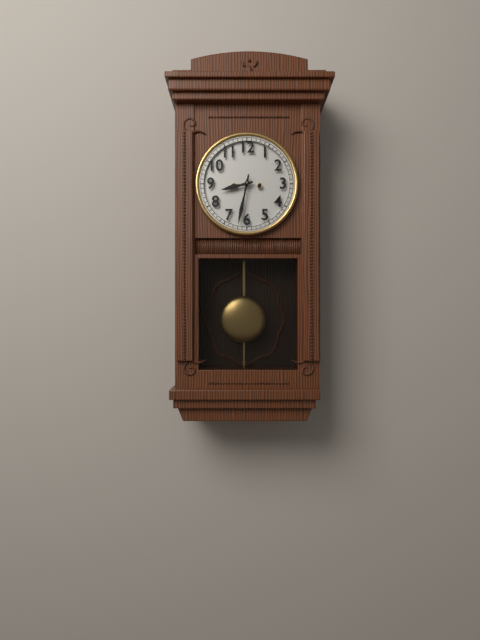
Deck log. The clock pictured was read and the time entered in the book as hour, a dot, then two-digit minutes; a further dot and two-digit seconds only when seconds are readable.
8.32
